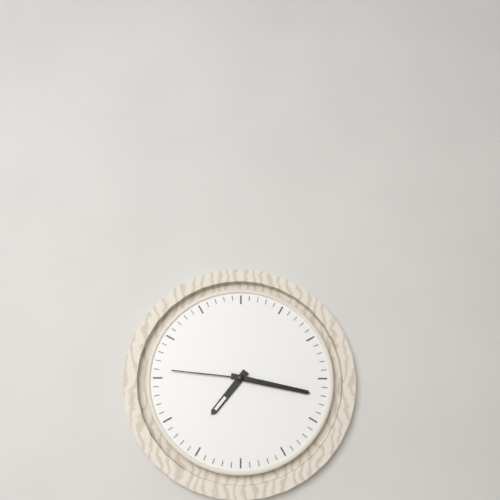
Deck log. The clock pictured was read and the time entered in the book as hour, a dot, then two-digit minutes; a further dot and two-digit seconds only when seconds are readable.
7.17.46
